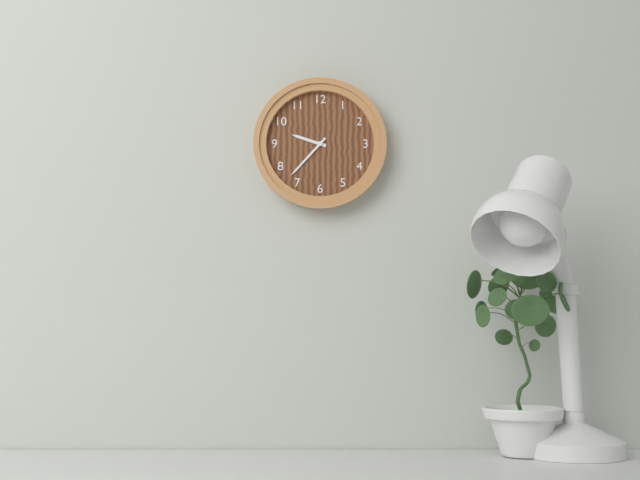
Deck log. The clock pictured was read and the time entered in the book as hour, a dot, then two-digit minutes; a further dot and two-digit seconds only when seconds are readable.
9.37
